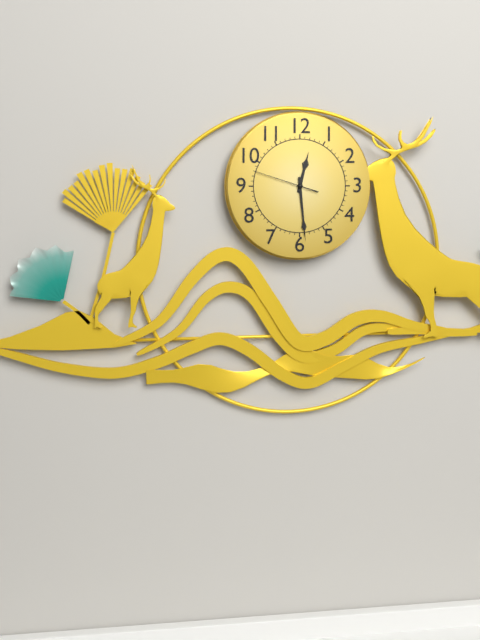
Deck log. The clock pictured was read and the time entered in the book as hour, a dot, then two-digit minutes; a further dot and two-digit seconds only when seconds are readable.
12.29.48
